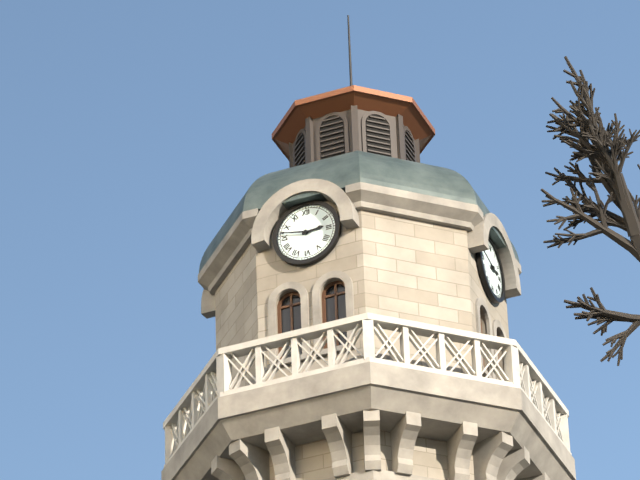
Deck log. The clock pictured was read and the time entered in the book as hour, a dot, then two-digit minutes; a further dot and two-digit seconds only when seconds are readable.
2.47
